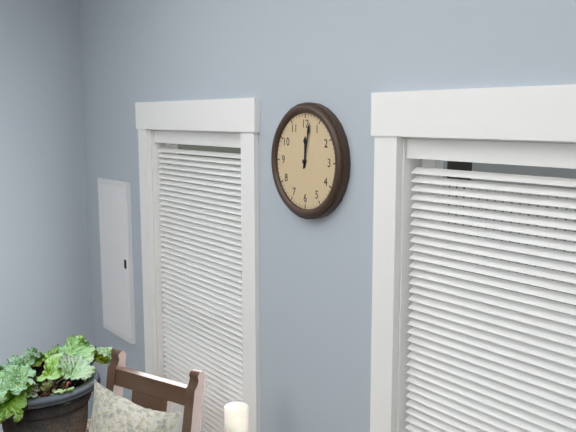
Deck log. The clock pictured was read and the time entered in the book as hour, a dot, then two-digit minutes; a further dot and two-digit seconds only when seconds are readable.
12.02
